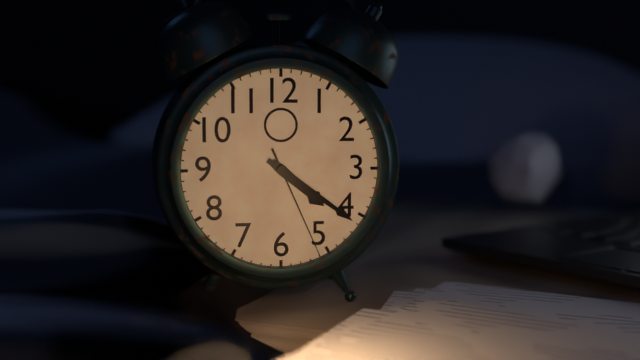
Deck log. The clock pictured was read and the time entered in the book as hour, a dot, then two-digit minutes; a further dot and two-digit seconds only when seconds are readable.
4.21.26
